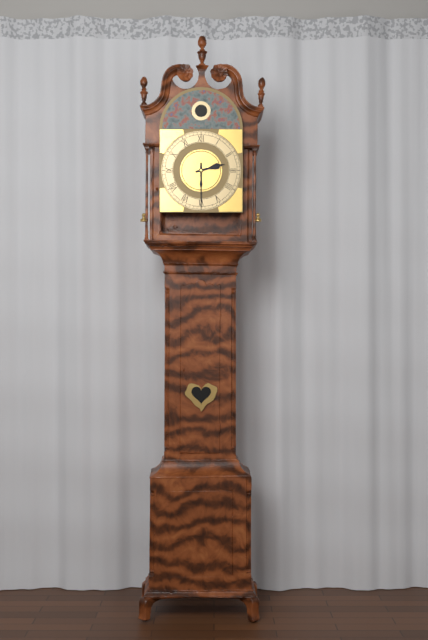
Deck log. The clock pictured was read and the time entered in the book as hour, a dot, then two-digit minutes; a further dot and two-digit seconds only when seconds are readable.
2.30
